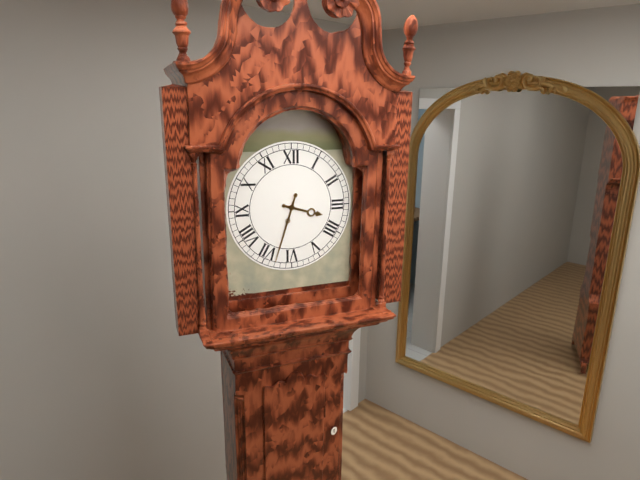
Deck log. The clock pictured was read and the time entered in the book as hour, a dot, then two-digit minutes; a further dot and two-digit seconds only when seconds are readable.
3.33
